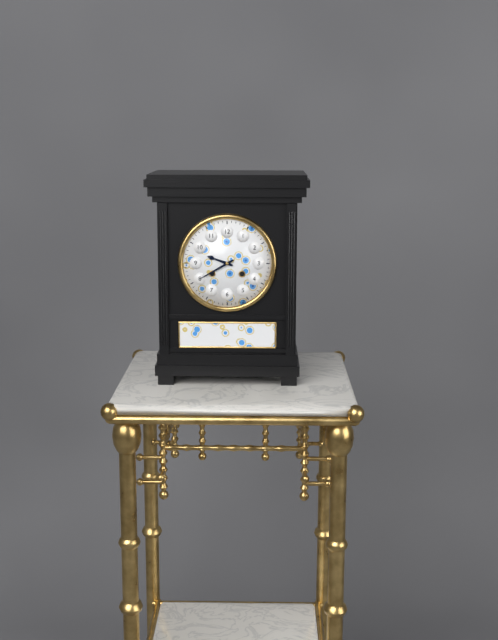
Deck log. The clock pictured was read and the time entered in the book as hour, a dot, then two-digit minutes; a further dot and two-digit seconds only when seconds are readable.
9.40
